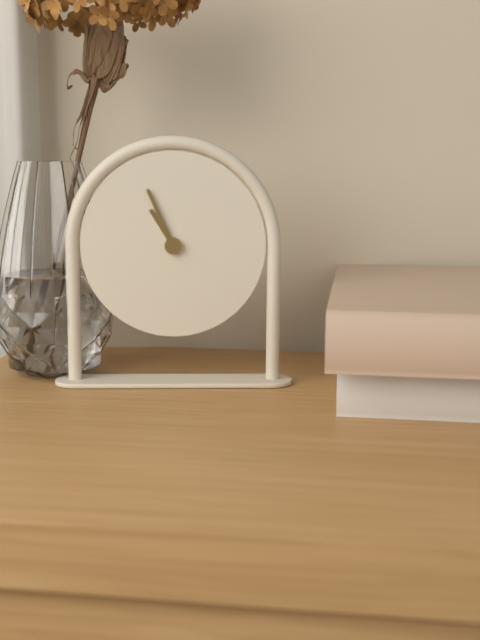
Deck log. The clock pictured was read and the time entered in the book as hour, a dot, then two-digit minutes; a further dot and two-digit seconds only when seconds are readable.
10.56
